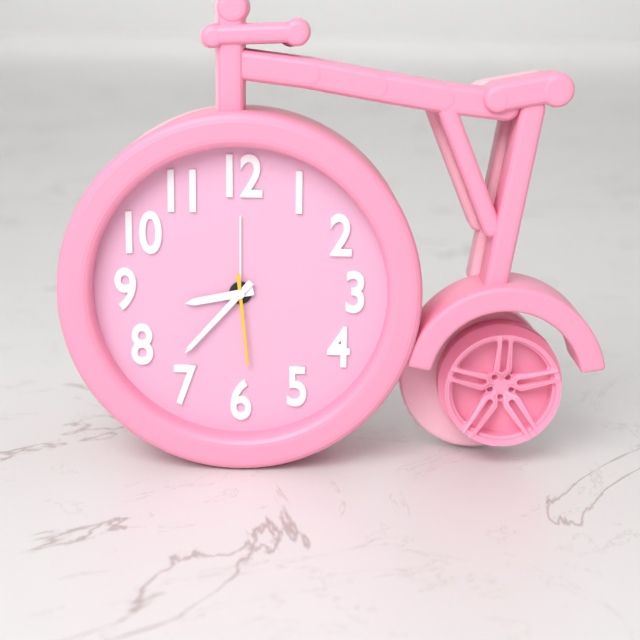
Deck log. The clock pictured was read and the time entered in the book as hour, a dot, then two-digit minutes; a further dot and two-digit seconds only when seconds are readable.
8.37.29
